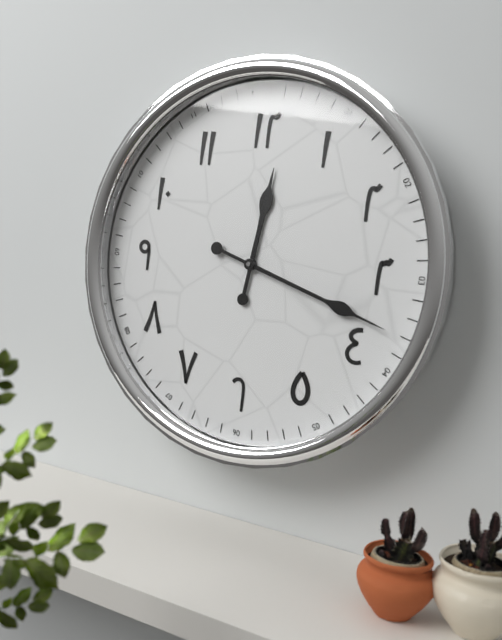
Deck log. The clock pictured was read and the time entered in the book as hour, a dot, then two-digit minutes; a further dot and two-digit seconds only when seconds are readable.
12.18
